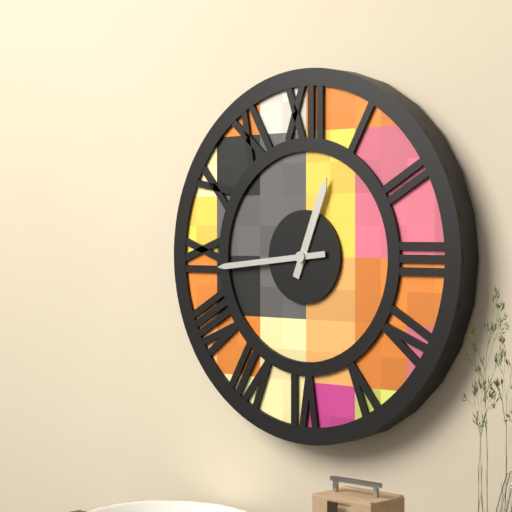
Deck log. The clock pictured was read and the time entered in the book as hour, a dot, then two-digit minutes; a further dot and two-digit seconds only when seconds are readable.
12.44
